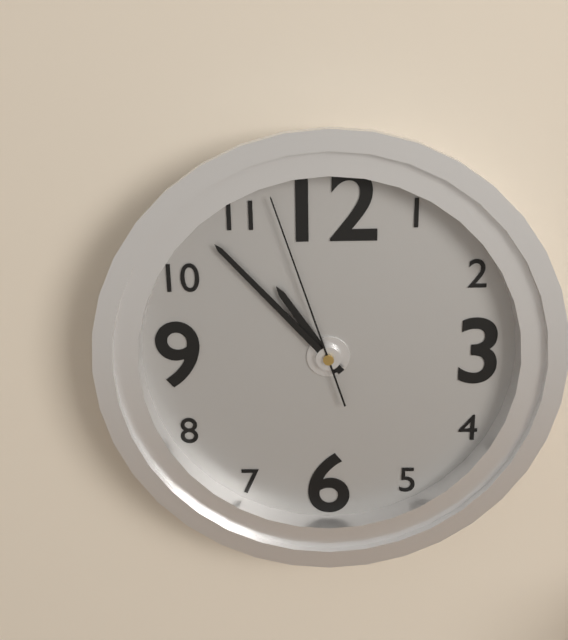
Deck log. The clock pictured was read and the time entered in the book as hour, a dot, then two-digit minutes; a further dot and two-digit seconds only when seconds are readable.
10.53.57
